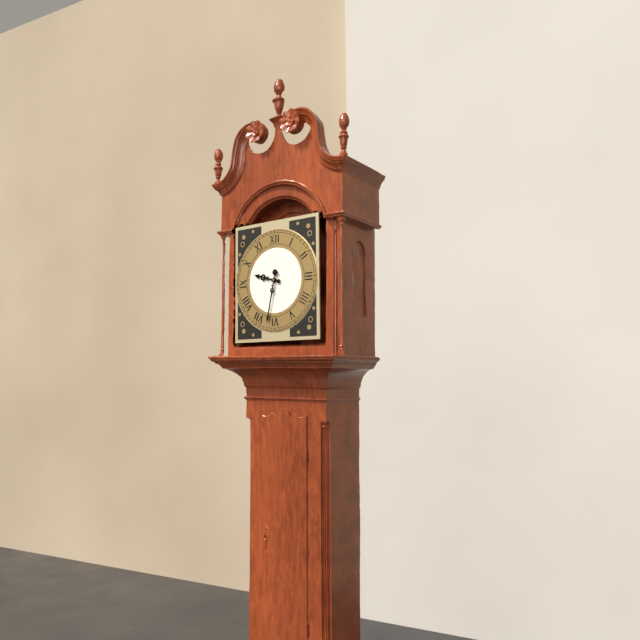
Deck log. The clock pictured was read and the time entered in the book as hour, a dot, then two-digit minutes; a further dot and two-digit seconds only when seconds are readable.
9.32
